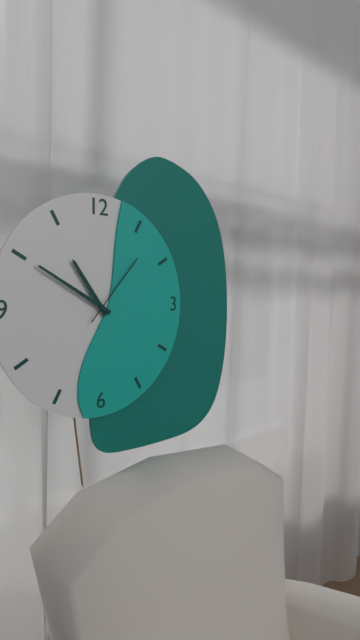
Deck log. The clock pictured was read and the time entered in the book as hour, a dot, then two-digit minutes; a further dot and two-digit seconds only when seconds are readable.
10.50.07
